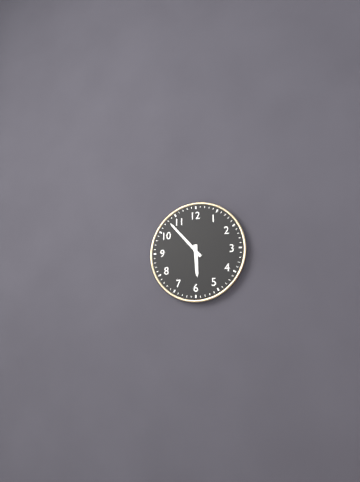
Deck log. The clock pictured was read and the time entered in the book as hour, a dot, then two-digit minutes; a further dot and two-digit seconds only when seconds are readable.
5.53
